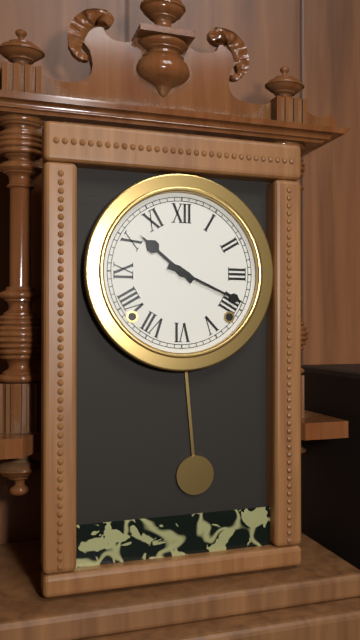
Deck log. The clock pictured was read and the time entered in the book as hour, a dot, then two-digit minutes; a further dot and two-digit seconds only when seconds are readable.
10.19
